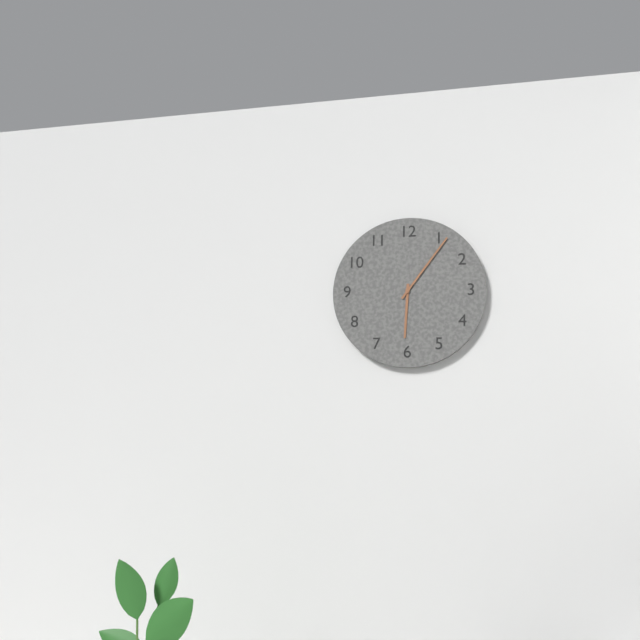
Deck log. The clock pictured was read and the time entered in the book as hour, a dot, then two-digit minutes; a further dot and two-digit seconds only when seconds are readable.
6.06
